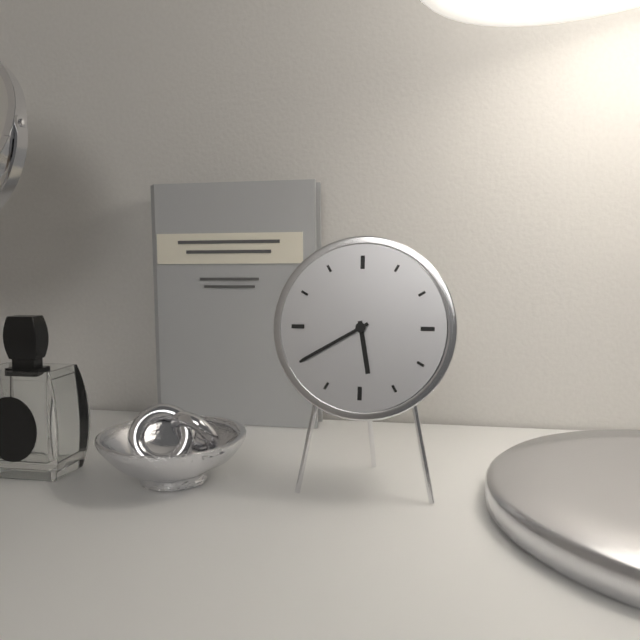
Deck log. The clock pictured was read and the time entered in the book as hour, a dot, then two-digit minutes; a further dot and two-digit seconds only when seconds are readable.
5.40
